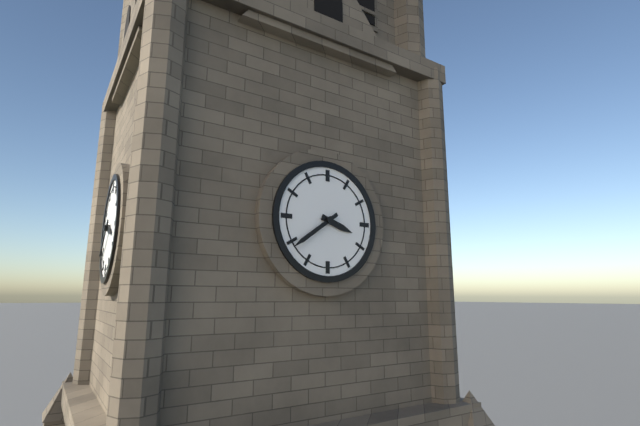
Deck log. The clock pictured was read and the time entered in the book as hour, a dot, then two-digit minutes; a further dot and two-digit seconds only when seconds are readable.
3.39
